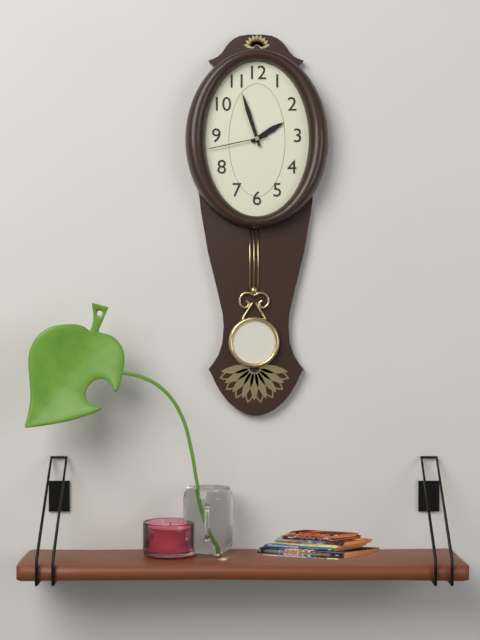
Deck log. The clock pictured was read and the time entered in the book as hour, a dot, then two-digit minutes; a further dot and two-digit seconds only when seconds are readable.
1.57.43
